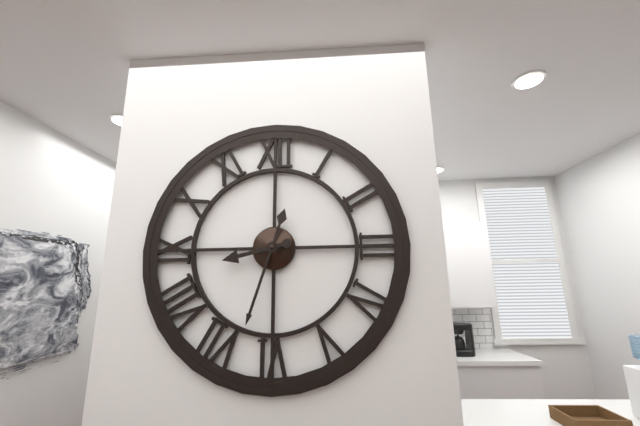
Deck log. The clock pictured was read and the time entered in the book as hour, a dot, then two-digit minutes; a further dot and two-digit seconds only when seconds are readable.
8.33
